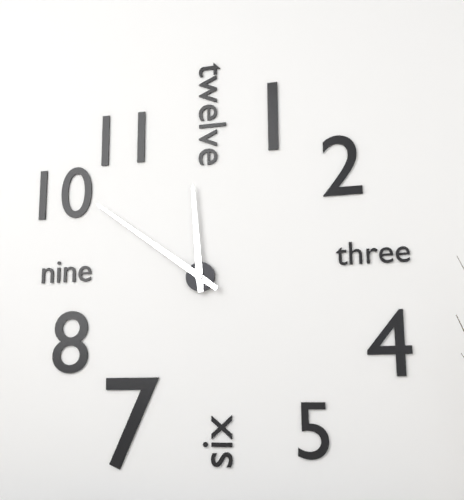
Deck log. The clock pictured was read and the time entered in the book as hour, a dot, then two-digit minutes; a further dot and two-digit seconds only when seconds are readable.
11.51
